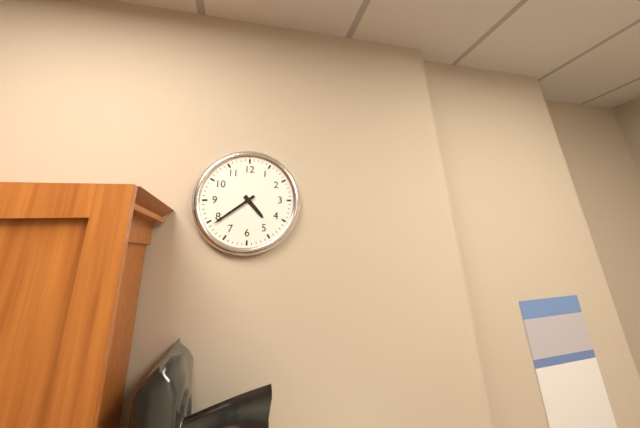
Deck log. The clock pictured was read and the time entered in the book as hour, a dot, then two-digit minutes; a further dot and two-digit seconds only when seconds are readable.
4.39
